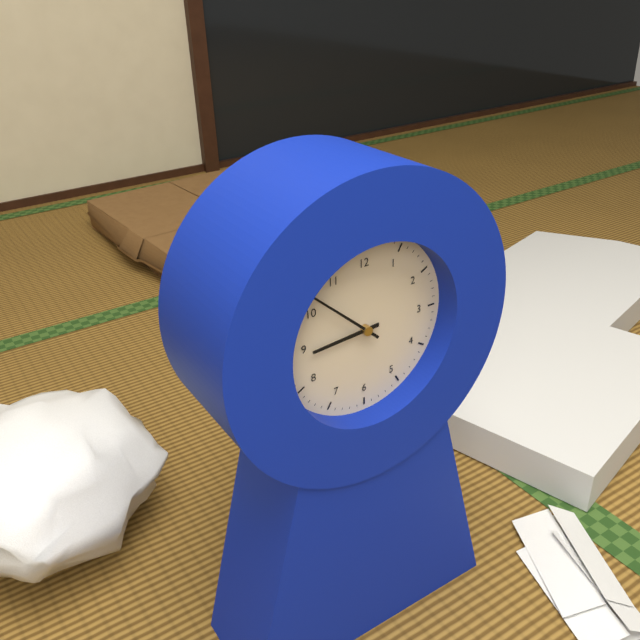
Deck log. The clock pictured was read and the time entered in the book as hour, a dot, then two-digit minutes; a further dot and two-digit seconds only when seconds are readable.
8.52
